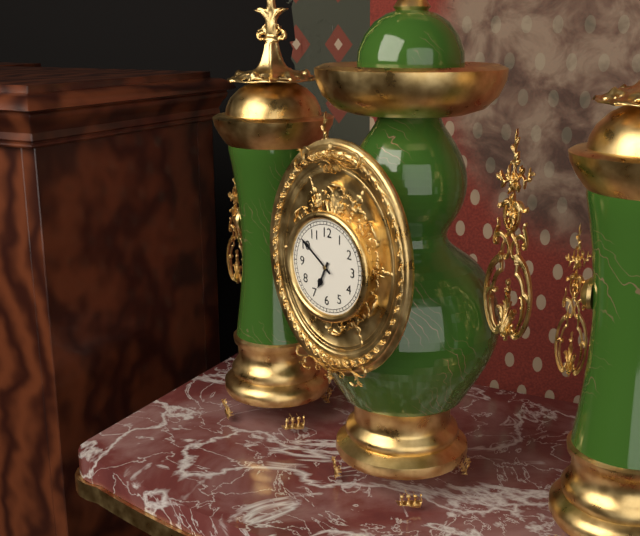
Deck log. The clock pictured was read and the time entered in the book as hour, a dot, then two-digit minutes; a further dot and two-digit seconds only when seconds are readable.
6.51
